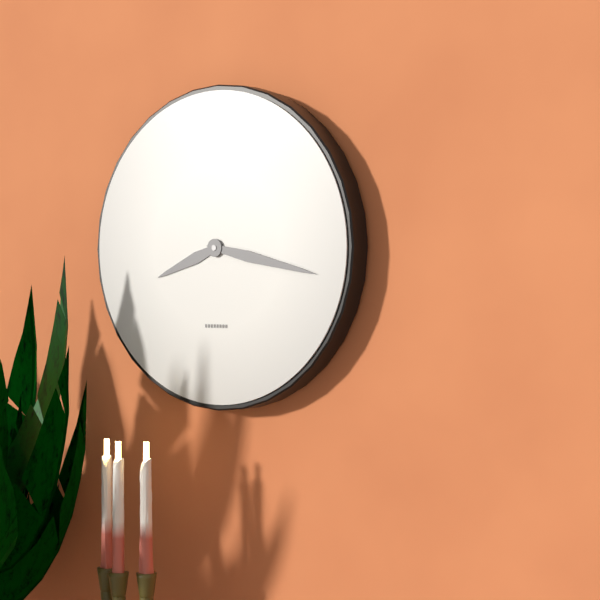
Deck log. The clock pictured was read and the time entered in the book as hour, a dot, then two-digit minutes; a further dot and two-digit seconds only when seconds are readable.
8.17
